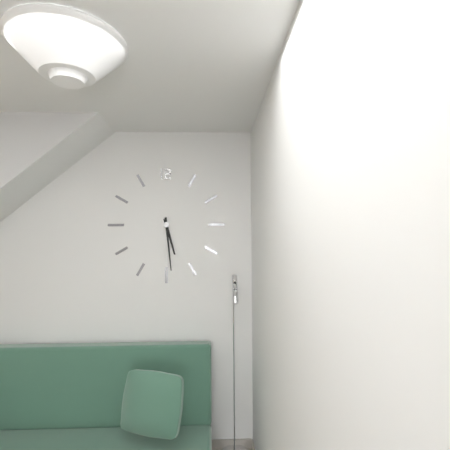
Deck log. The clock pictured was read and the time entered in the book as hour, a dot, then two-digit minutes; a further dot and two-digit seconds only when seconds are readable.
5.29
